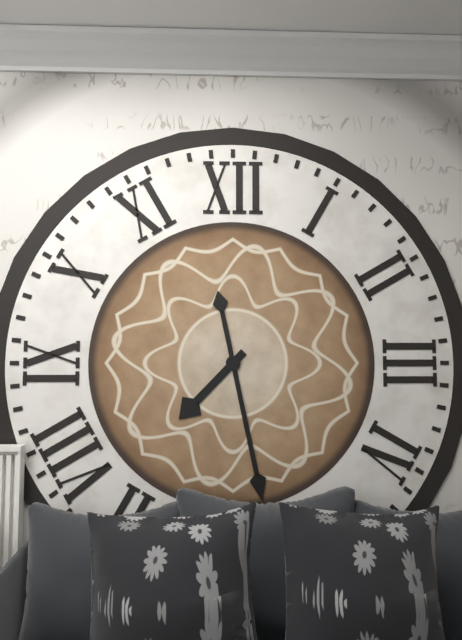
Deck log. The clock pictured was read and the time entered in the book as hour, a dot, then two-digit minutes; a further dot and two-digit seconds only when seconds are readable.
7.28
